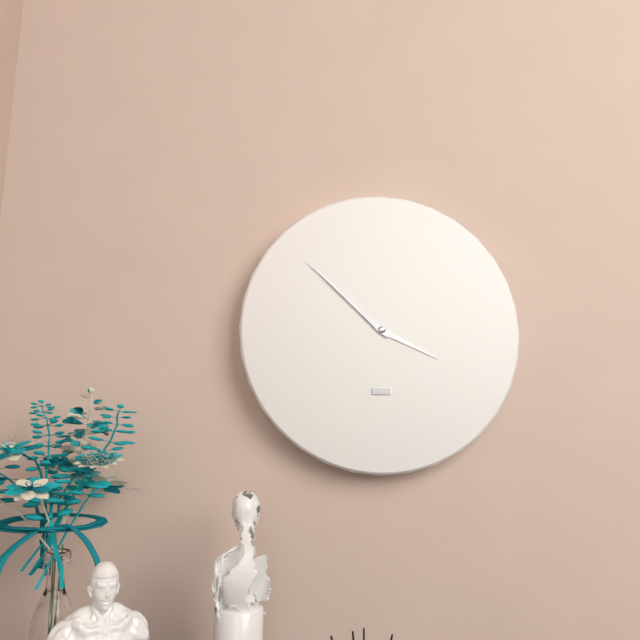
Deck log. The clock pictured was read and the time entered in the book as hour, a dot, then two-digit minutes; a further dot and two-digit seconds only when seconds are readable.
3.52
